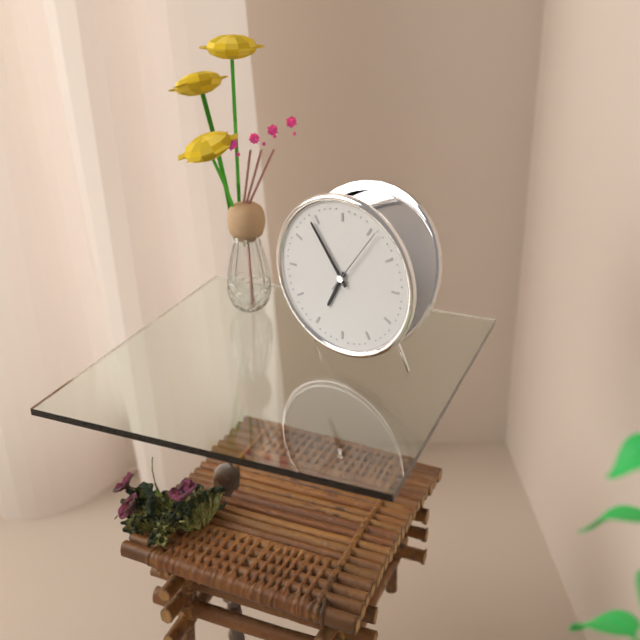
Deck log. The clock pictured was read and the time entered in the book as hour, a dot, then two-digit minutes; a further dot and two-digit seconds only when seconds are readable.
6.54.06
